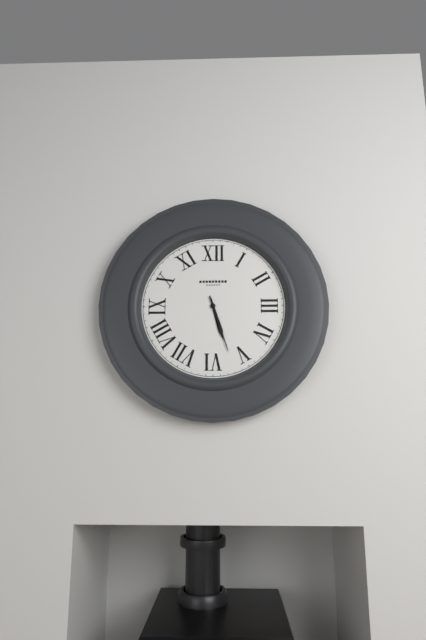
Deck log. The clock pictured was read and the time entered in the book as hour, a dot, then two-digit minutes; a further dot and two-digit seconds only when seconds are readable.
5.27
